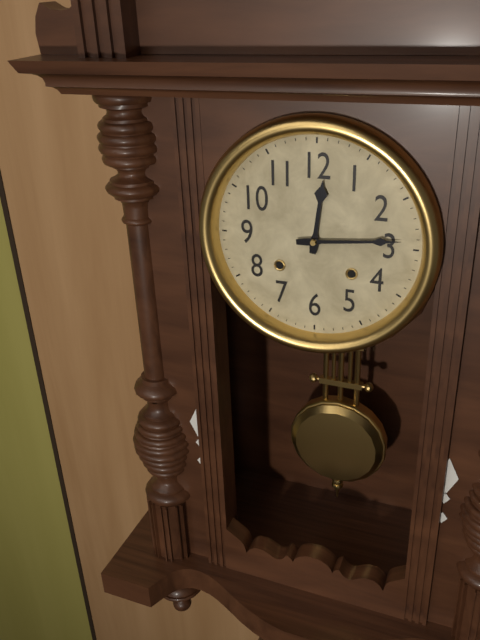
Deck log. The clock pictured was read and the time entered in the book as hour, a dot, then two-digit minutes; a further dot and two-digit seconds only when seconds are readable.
12.14
